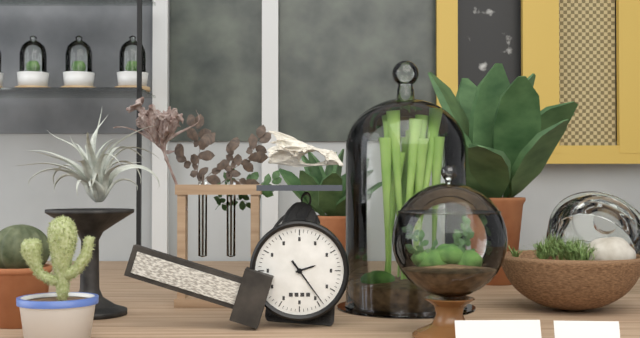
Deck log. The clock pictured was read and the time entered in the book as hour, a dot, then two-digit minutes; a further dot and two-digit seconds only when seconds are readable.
2.24
